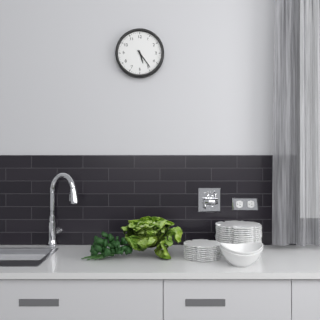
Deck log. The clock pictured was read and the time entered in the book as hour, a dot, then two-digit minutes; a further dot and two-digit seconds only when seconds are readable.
5.24
